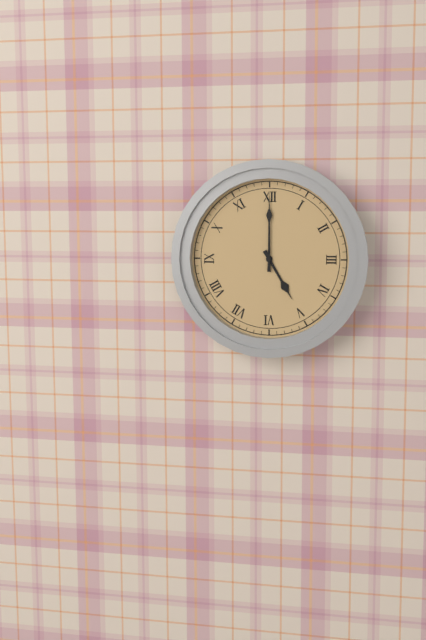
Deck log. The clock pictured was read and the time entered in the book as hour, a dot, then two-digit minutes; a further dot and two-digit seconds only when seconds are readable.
5.00
